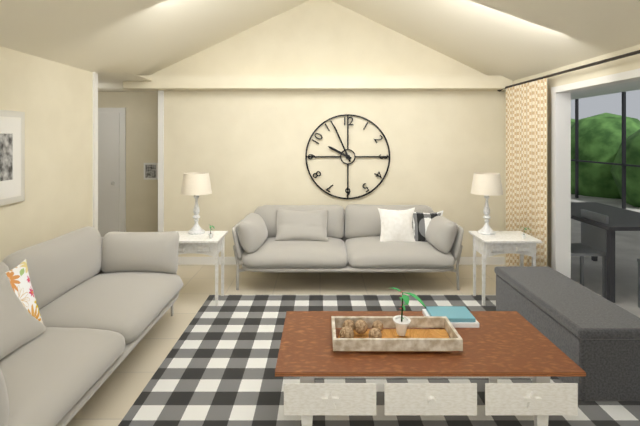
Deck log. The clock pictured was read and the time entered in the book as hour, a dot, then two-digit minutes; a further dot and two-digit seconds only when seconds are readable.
9.56
